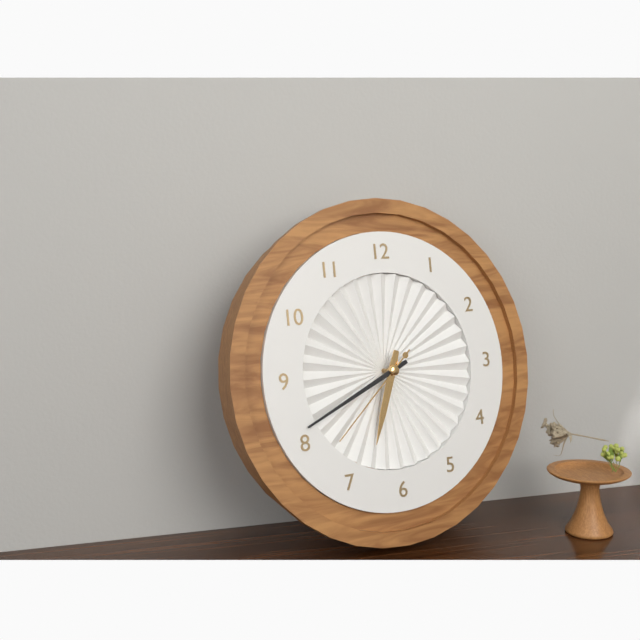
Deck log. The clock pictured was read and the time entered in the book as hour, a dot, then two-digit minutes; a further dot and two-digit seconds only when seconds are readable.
6.41.38
